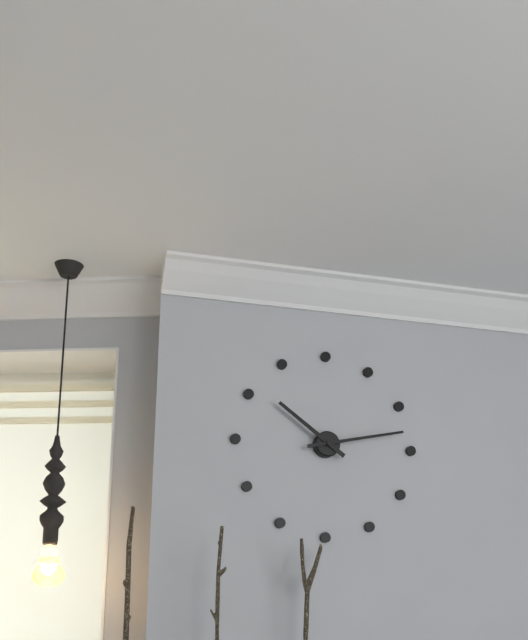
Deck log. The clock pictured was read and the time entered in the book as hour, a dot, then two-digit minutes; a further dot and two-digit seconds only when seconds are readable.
10.13
